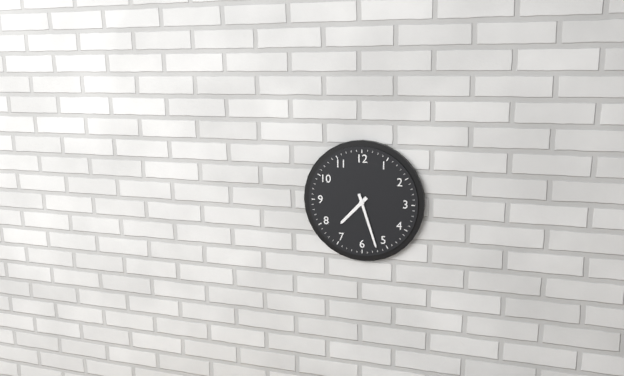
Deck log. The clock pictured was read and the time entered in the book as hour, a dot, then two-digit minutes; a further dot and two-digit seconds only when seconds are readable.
7.27
